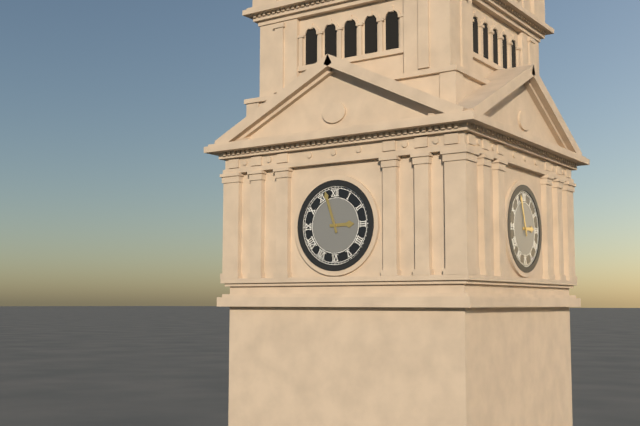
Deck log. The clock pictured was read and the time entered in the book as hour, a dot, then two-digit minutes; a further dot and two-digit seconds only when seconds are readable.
2.57
